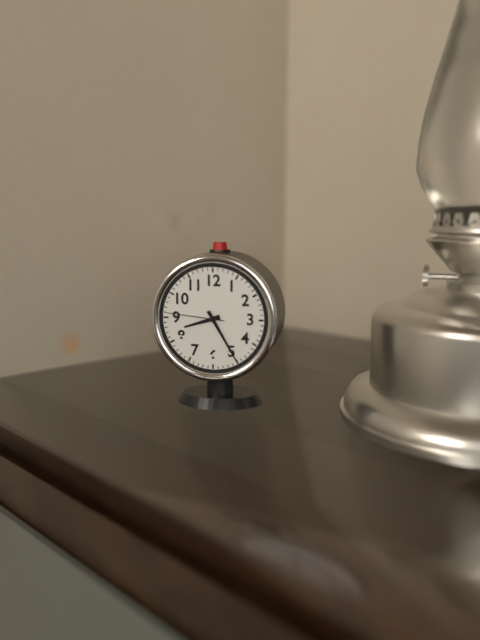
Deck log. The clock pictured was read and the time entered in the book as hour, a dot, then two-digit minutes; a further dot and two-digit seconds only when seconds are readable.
8.25.46
